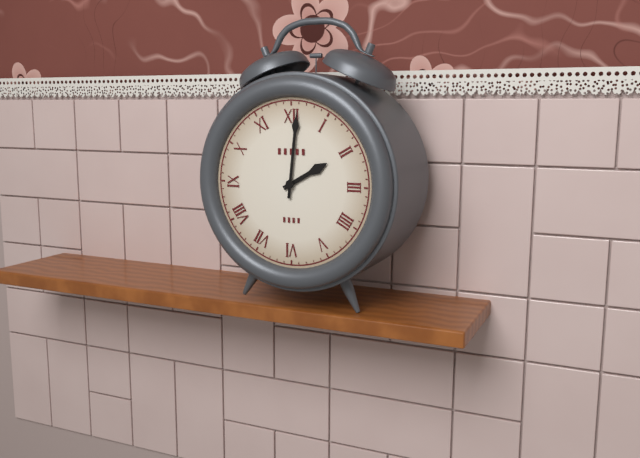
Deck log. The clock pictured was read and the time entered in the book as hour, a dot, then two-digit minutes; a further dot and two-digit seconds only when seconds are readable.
2.01
